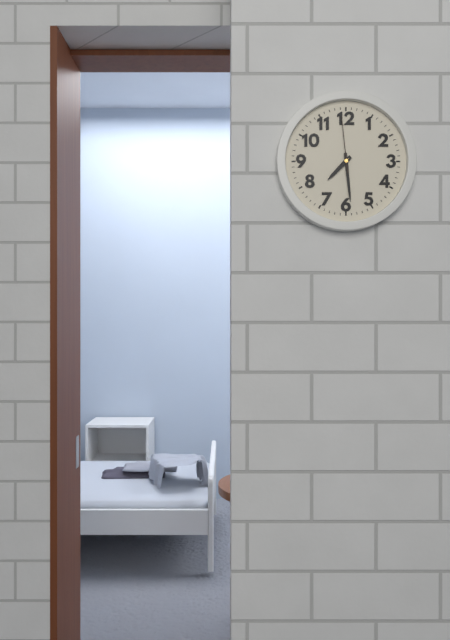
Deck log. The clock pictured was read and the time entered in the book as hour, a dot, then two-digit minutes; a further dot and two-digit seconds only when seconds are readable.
7.29.59
